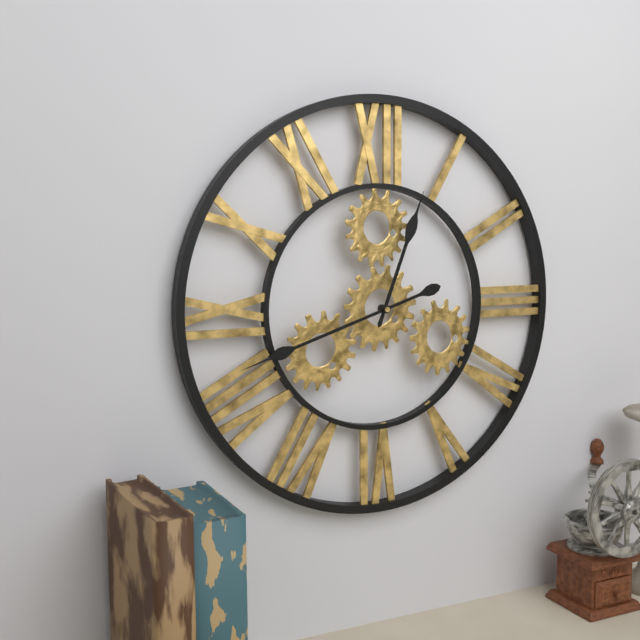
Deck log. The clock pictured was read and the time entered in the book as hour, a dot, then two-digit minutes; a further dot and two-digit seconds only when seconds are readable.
12.42
